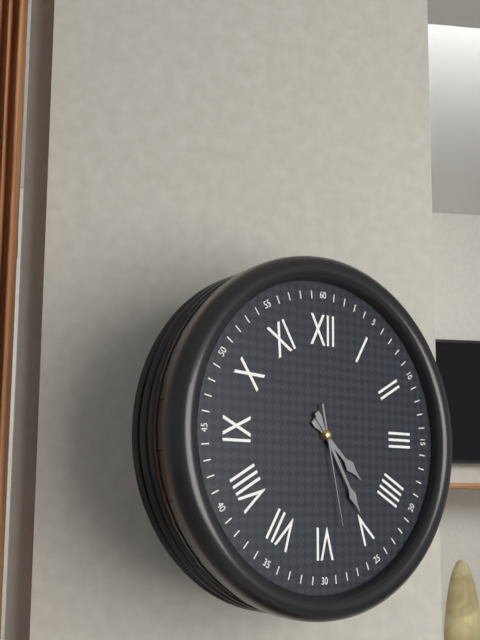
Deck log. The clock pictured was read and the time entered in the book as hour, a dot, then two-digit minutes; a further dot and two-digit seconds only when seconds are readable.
4.25.28
